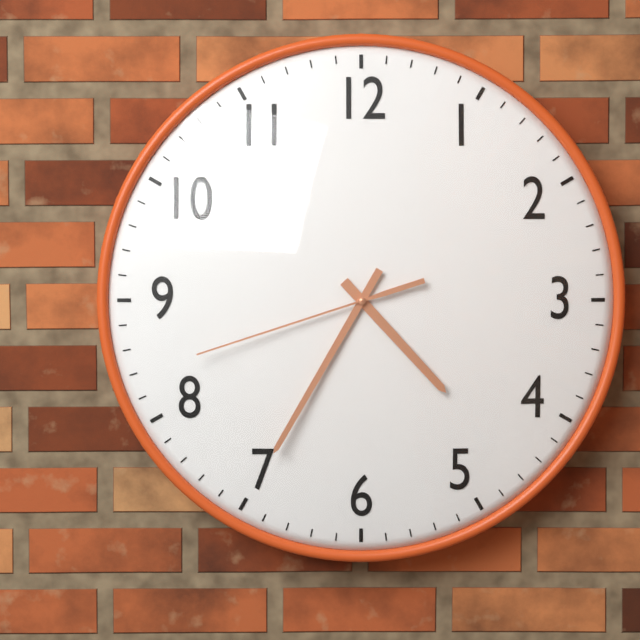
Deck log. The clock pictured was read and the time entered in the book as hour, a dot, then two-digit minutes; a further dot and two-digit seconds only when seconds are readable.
4.35.42
